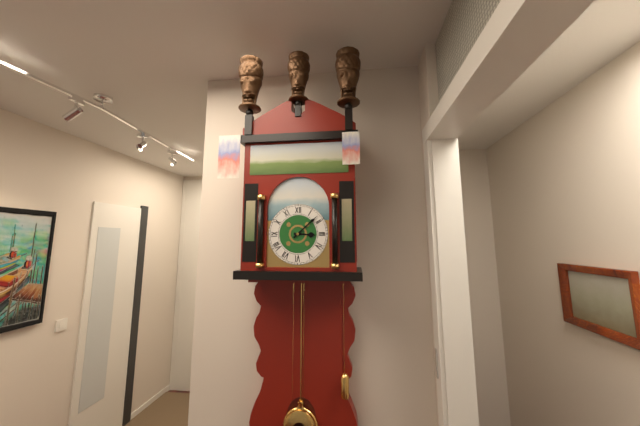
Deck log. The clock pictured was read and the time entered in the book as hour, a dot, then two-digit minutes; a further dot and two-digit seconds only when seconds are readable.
3.08
